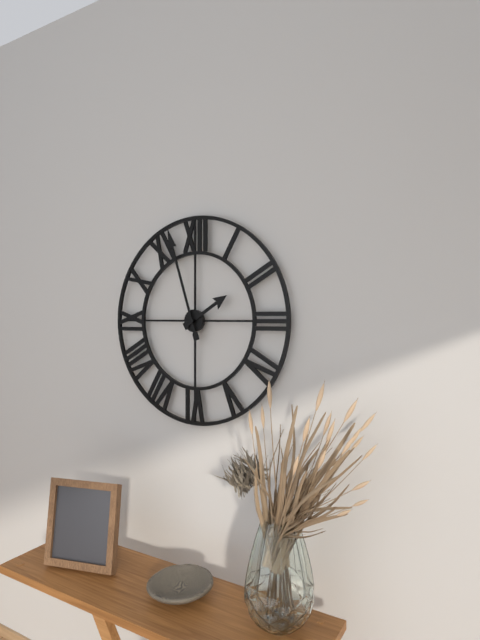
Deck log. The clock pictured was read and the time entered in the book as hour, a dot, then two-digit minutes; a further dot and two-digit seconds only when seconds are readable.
1.57
